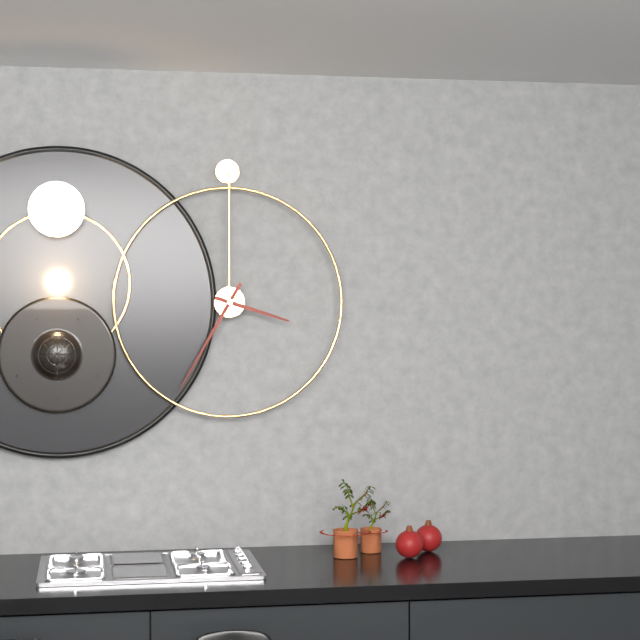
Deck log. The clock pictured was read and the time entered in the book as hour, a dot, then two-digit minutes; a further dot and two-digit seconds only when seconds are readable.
3.35
